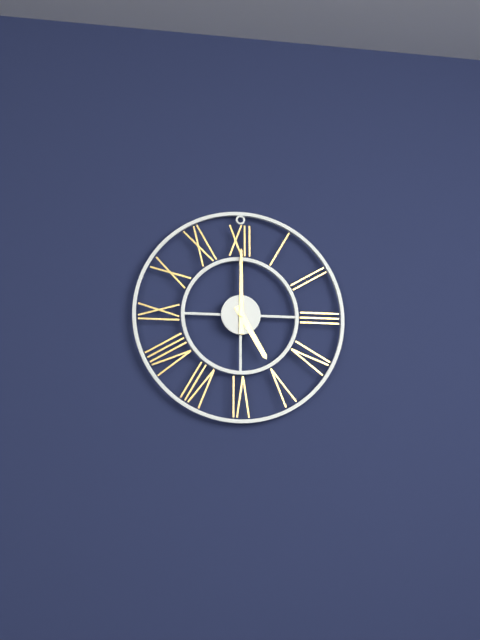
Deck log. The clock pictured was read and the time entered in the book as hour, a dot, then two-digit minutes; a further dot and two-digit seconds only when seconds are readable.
5.00
